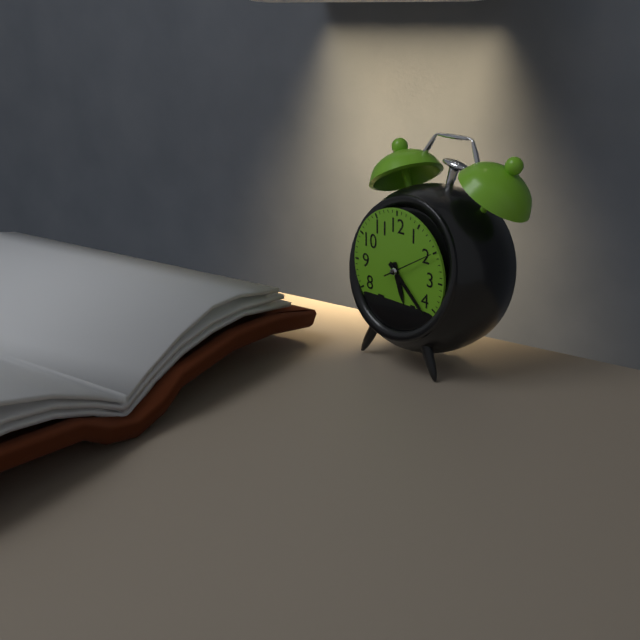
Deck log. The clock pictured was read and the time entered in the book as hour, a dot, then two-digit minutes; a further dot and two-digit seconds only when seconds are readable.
5.22
